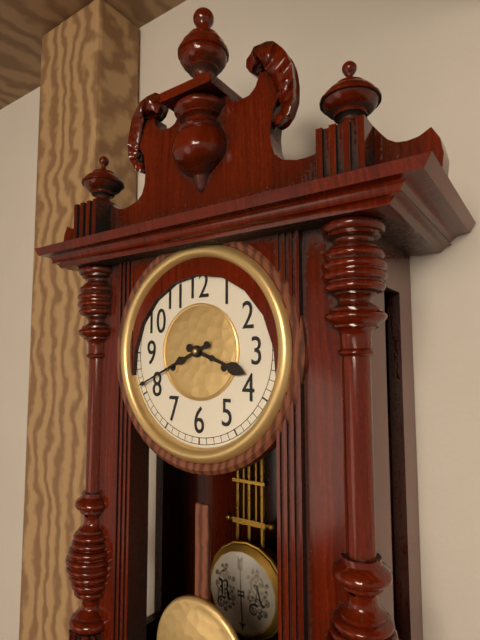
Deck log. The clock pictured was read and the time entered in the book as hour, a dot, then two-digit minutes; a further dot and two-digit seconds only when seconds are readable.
3.41
